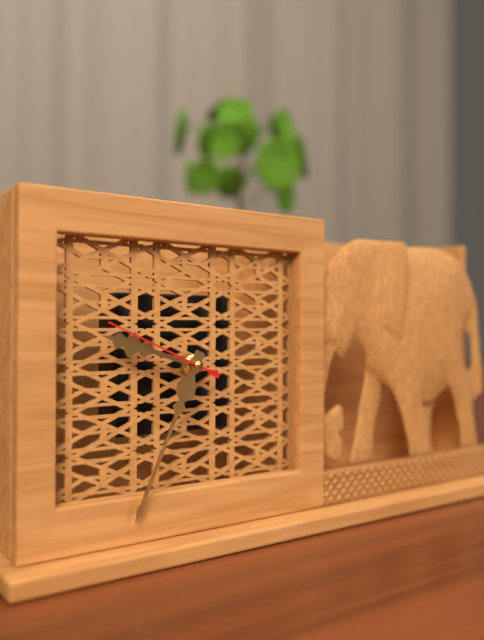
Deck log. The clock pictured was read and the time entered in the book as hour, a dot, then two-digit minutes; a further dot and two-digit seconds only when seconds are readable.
9.34.49
